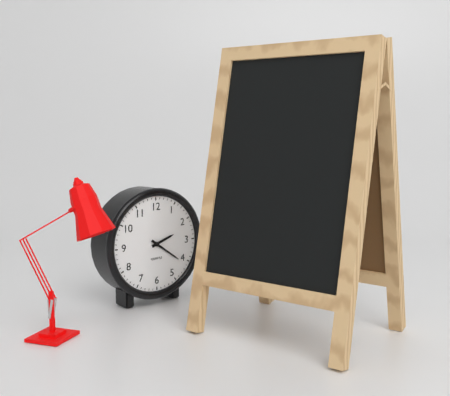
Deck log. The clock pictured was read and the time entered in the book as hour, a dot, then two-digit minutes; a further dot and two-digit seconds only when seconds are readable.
2.21
